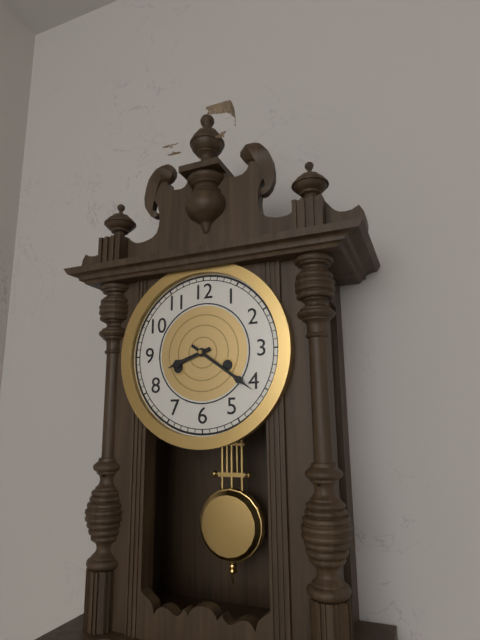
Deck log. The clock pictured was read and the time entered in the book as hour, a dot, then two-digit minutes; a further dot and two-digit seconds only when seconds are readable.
8.21
